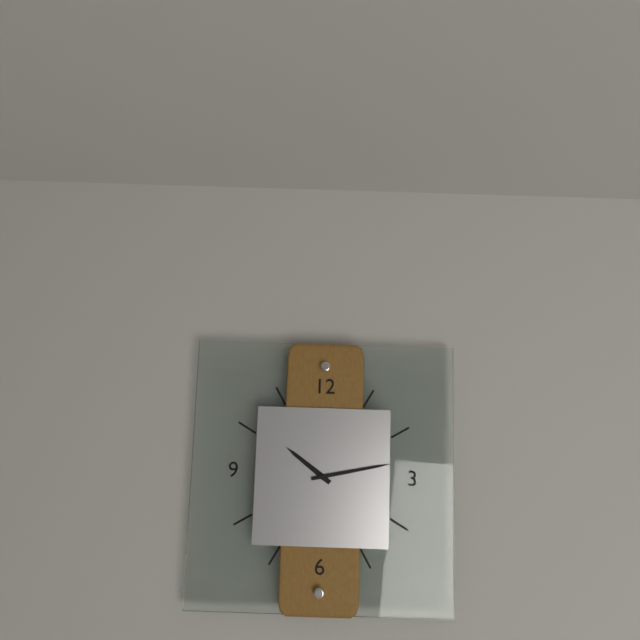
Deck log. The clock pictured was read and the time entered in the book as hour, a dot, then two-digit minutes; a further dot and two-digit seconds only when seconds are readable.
10.13
